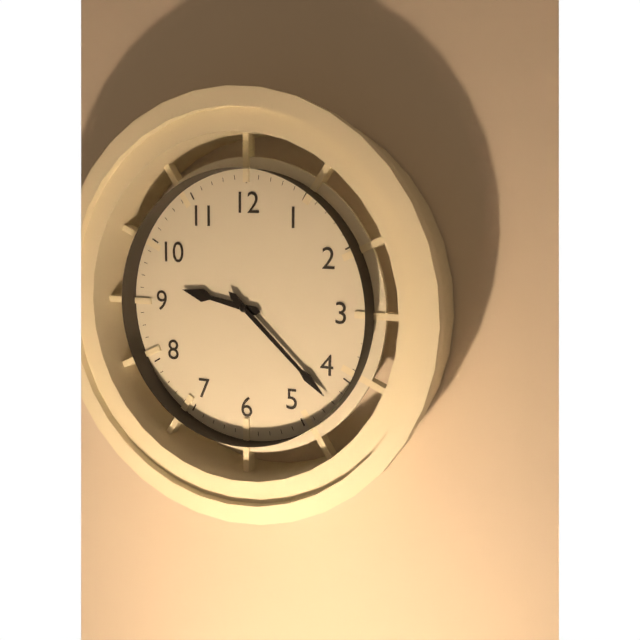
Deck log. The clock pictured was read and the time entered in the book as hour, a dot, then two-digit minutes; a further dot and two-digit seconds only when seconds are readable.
9.22
